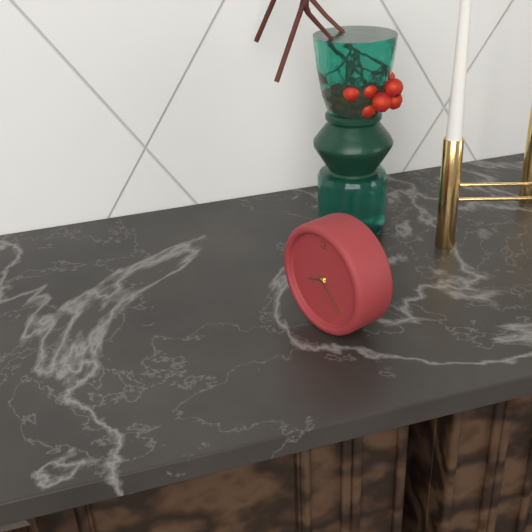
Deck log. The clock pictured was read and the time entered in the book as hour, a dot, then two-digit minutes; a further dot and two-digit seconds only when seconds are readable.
8.23
